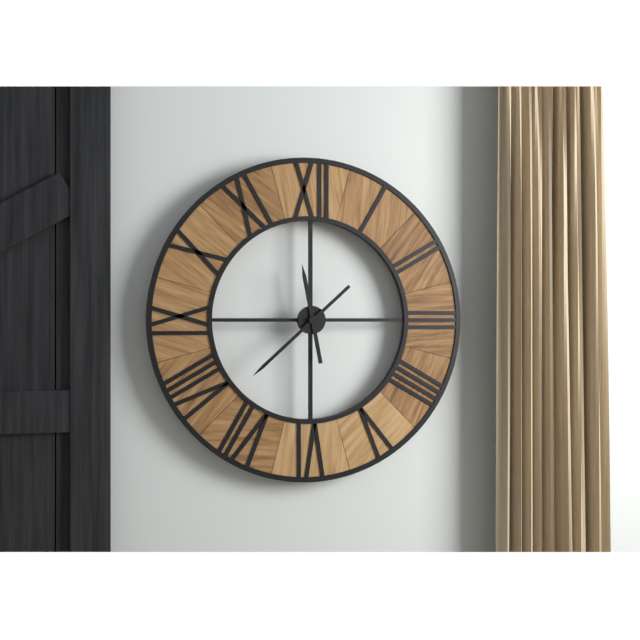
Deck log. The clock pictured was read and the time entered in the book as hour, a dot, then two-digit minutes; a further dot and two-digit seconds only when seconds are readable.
11.38
